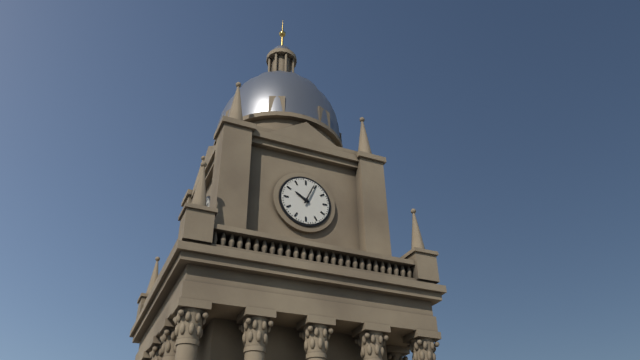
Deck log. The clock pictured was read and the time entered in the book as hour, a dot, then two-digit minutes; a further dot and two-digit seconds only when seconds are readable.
10.04
